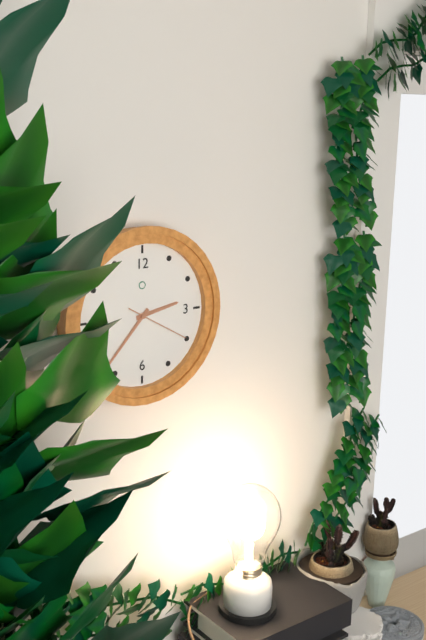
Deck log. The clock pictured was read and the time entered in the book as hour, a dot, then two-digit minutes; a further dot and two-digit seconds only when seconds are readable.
2.37.20
